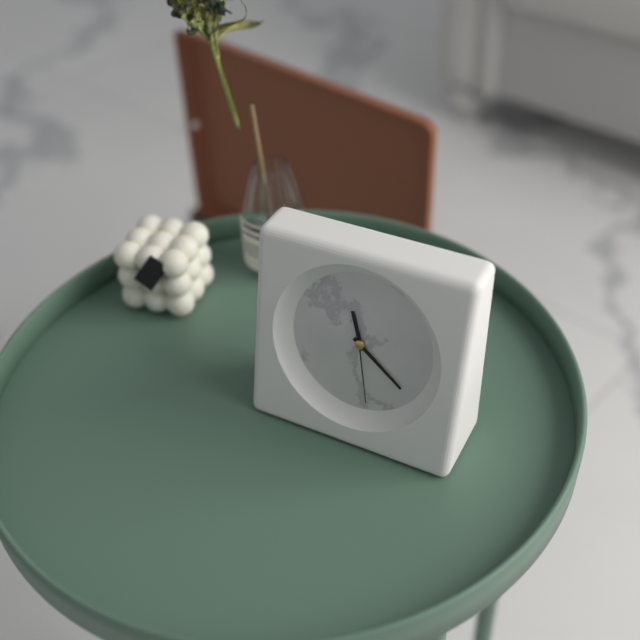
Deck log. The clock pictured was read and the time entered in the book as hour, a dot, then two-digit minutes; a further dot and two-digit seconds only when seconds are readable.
11.21.28
